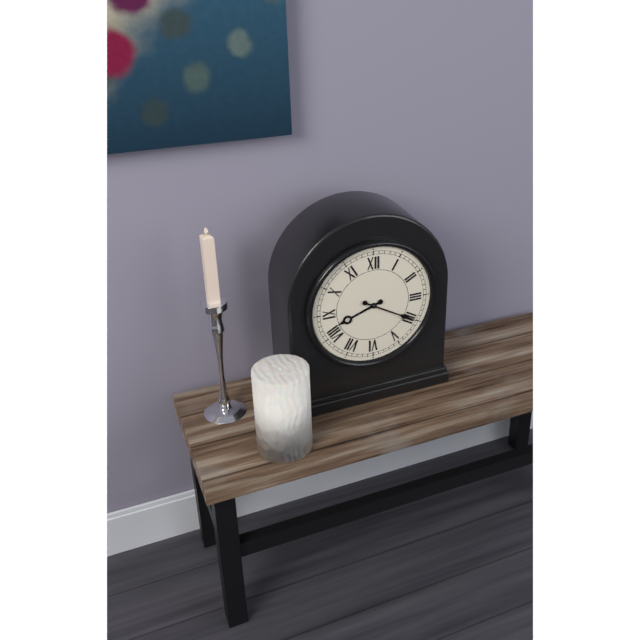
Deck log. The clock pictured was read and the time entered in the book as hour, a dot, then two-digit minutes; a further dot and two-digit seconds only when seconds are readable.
8.20
